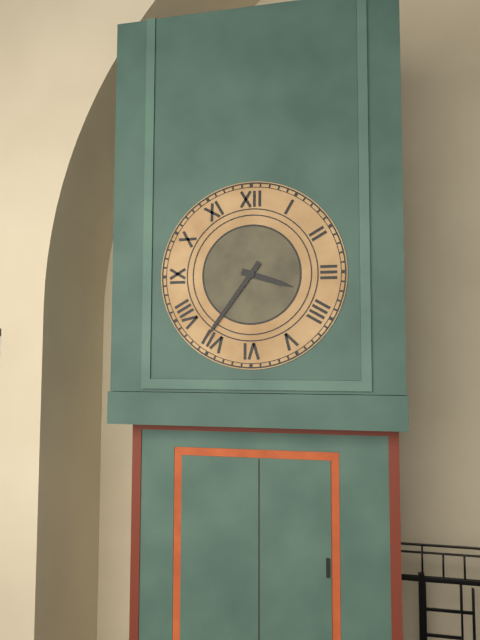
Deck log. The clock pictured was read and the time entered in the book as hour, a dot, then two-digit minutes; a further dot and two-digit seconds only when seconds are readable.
3.36
